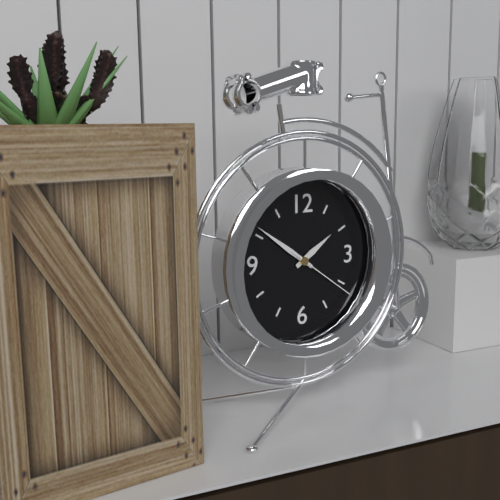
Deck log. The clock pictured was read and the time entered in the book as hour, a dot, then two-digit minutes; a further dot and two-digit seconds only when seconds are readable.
1.51.21
